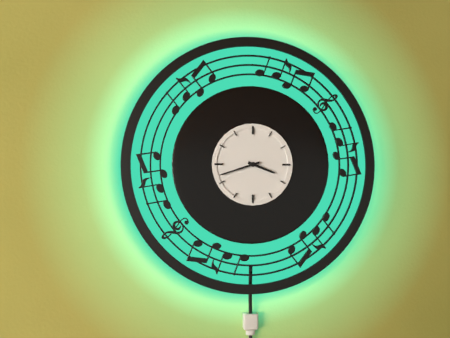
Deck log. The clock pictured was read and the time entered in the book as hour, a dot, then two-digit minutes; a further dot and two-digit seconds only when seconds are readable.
3.42
